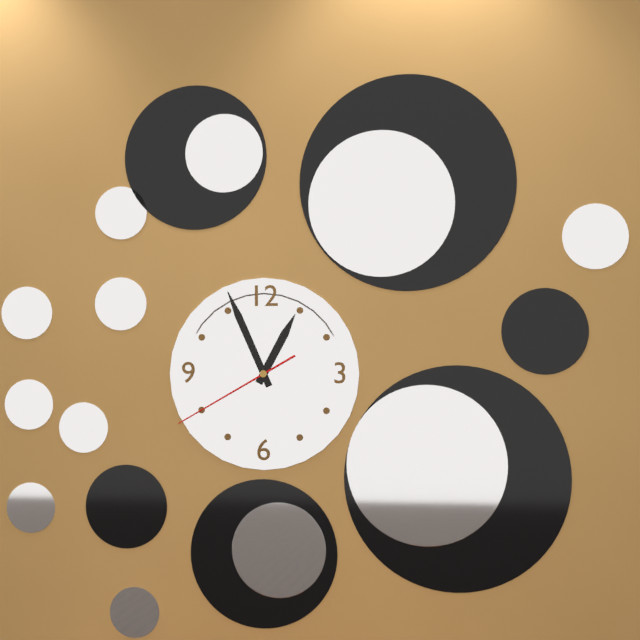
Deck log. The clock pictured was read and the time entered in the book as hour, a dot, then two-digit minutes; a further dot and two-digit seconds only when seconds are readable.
12.56.40
